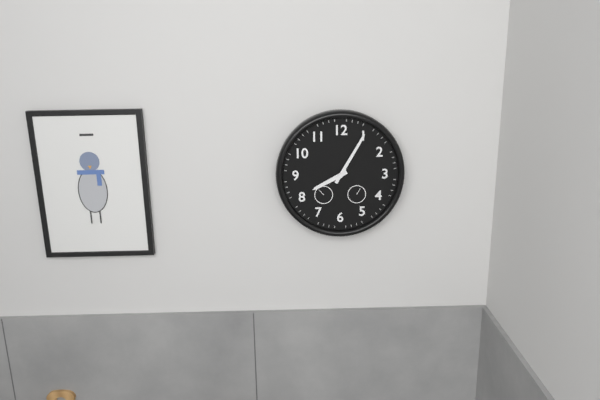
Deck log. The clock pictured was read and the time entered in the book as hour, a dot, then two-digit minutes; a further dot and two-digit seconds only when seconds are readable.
8.05
